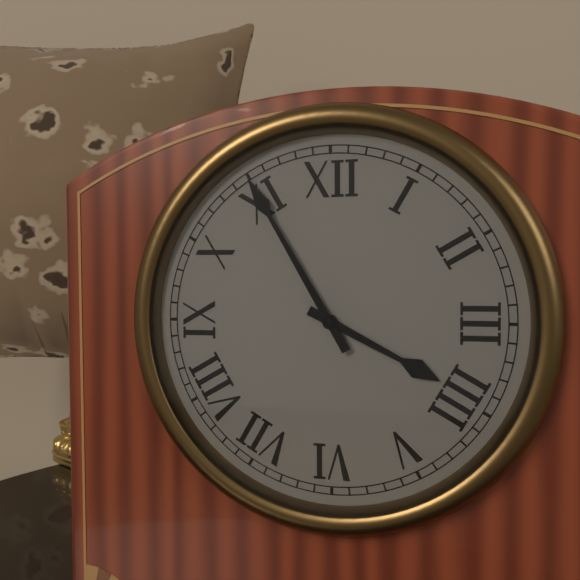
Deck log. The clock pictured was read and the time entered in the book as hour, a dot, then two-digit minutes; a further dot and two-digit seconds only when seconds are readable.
3.55
